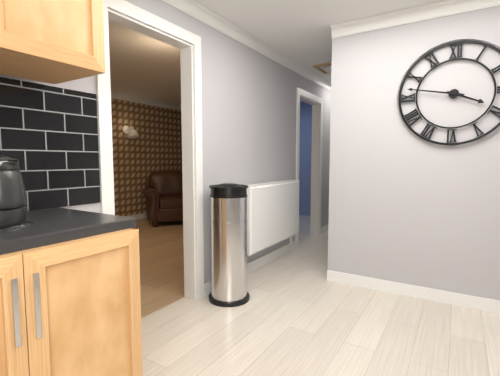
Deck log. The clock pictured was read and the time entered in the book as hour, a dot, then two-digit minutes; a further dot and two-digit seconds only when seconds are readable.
3.47
